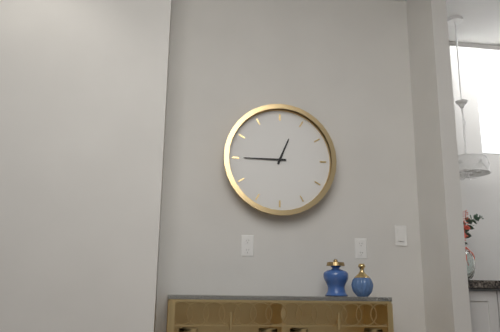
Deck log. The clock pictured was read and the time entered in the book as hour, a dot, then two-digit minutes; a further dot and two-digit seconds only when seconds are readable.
12.45
